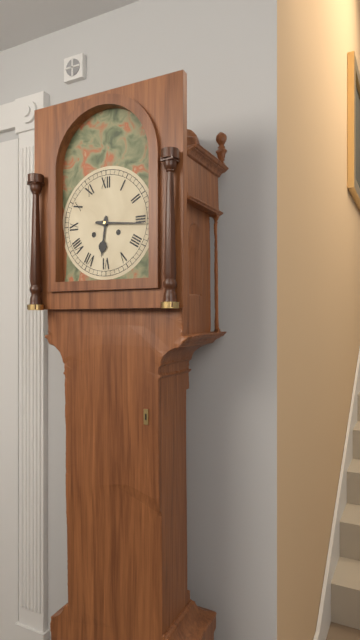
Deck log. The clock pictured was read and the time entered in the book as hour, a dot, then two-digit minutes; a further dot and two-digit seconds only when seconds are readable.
6.16
